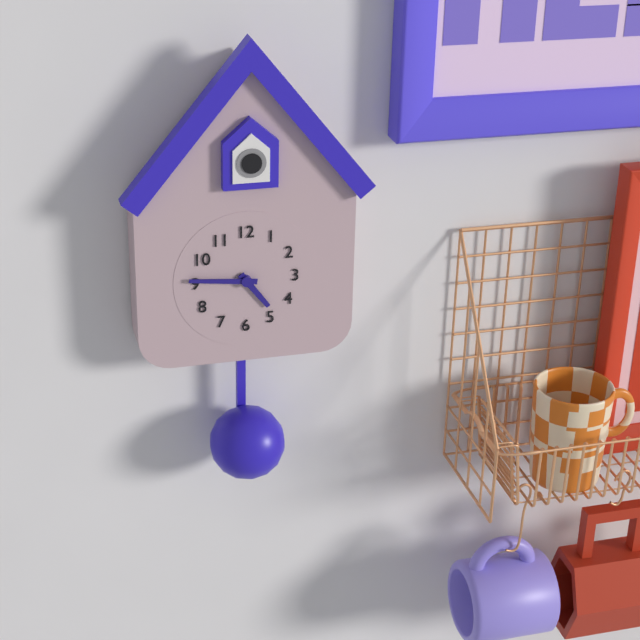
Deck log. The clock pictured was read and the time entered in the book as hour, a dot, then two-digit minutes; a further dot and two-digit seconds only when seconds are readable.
4.46
